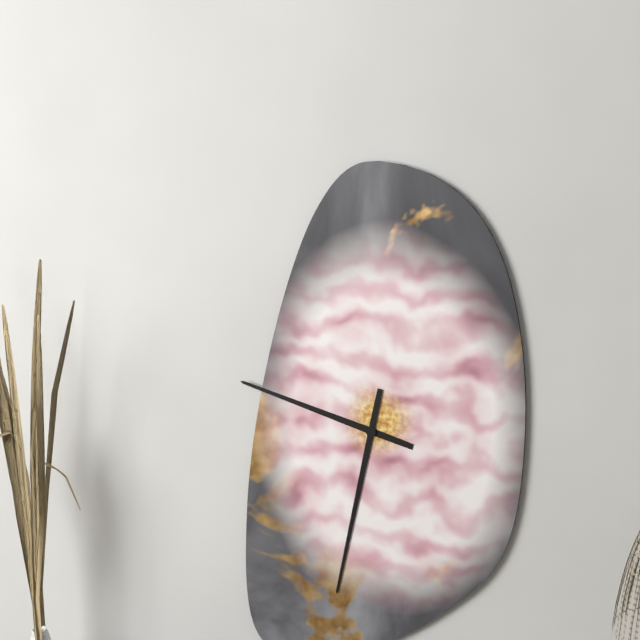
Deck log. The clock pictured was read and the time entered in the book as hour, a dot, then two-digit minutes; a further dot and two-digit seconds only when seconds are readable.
9.32
